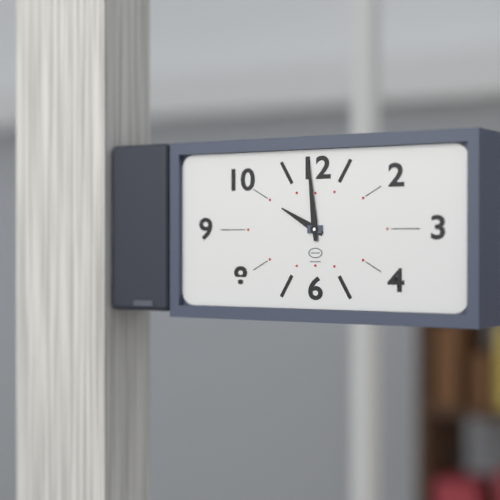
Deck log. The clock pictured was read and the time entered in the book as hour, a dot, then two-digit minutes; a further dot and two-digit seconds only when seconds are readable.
9.59
